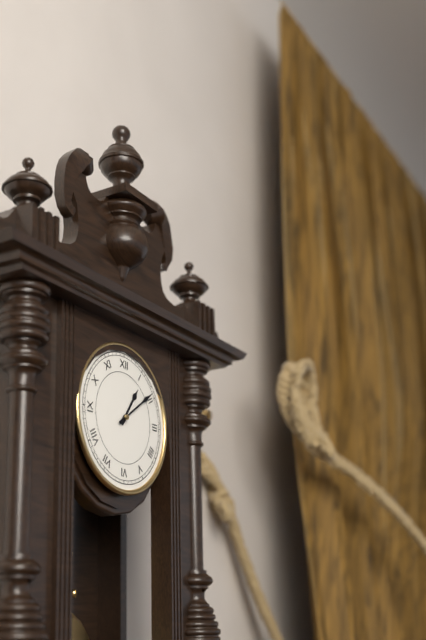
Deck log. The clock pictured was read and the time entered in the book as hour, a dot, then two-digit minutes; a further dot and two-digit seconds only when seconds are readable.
1.09
